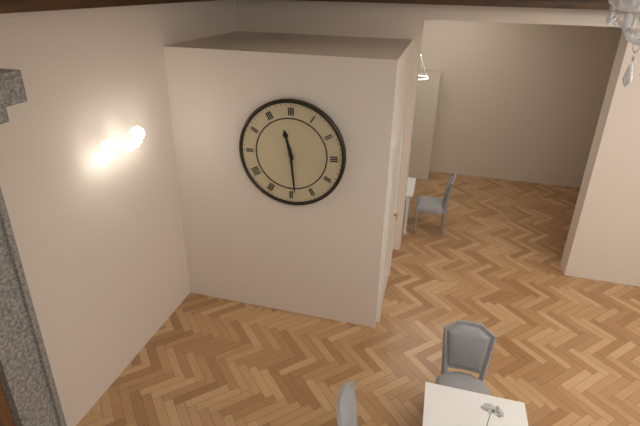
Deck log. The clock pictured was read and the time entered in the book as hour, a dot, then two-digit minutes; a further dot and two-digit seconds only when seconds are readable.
11.29
